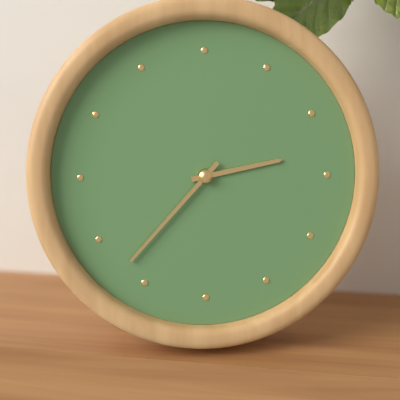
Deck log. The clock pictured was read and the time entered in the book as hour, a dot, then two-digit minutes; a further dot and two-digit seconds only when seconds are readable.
2.37
